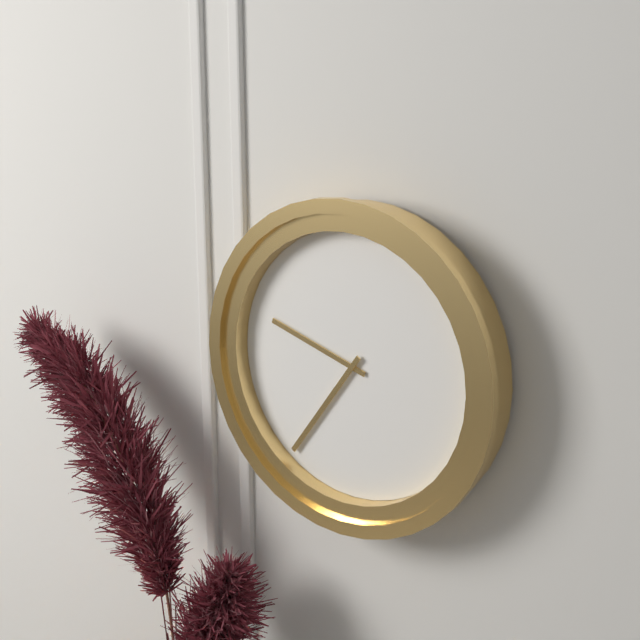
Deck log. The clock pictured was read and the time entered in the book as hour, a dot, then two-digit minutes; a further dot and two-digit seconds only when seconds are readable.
9.36
